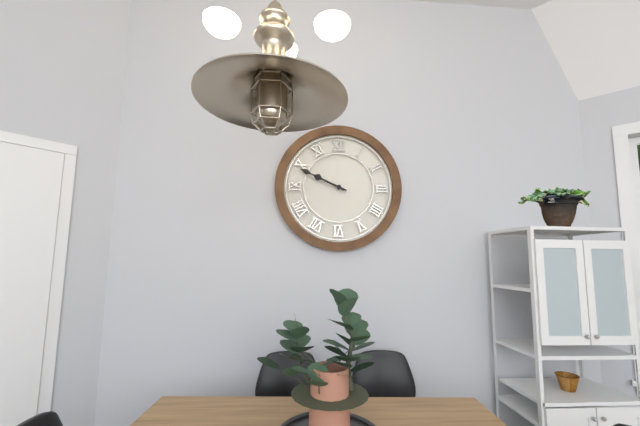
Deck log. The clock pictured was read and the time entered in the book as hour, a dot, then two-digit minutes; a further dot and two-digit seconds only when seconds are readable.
9.49
